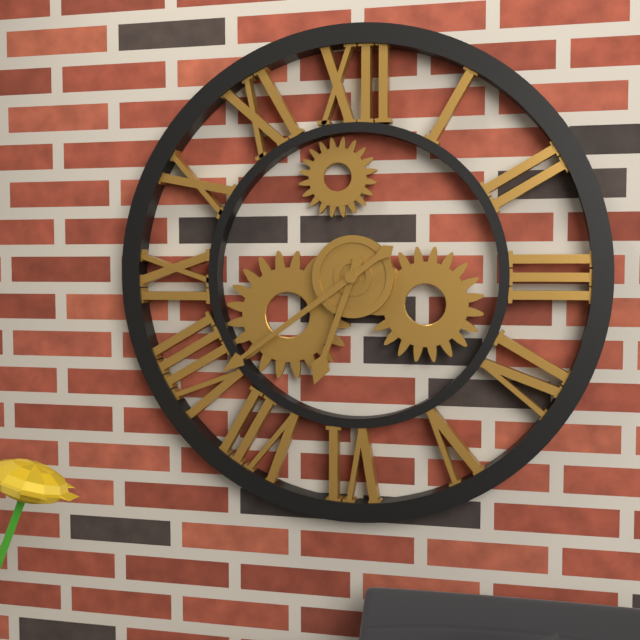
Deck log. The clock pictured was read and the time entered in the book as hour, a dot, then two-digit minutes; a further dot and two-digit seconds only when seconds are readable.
6.39
